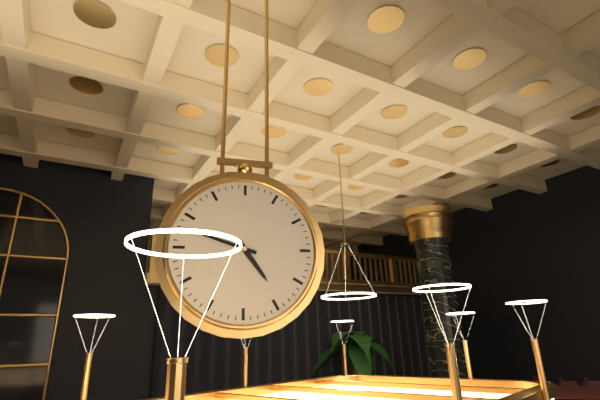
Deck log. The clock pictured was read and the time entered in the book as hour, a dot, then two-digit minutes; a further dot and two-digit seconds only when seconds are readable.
4.48
